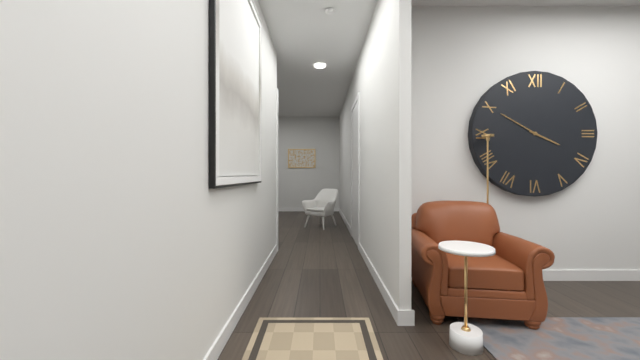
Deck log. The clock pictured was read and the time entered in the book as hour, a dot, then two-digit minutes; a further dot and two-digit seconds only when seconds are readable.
3.50
